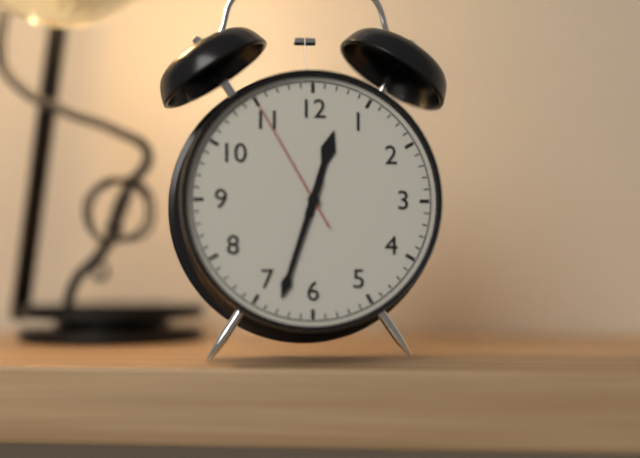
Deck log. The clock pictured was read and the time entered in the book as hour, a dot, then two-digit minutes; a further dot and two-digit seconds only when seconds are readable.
12.33.55
